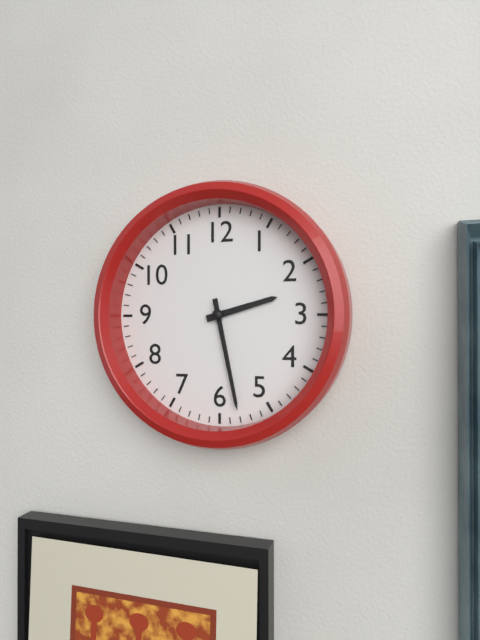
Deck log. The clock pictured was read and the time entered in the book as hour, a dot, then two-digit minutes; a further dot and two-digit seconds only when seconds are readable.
2.28
